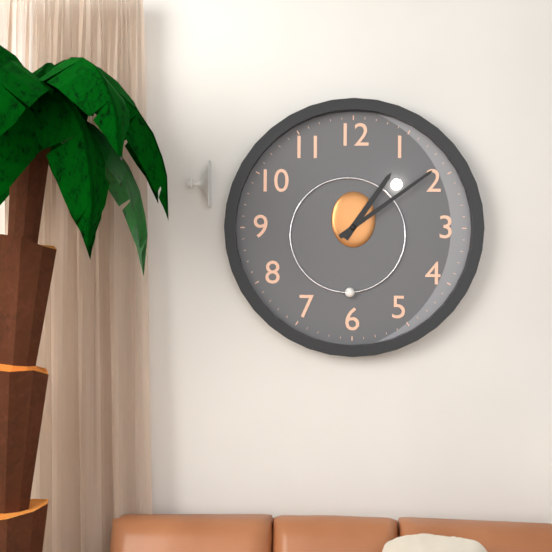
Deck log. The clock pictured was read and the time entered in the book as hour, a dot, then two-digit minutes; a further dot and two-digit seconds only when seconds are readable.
1.09
